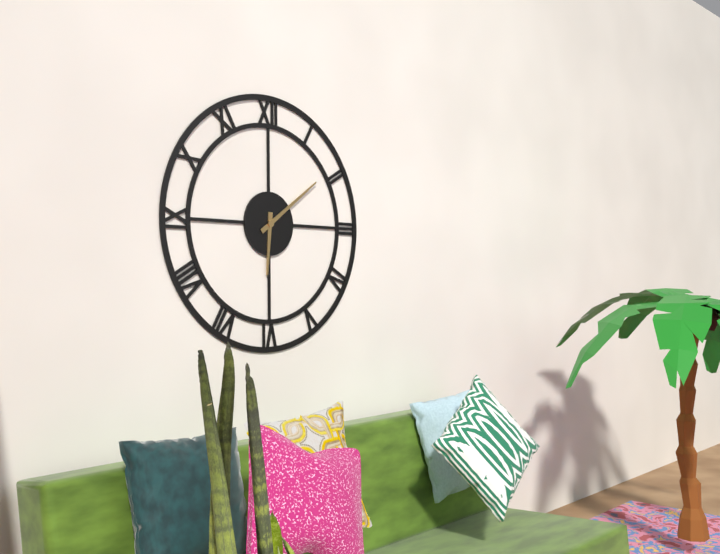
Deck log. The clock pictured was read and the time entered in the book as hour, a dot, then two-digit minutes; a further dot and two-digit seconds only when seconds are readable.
6.09
